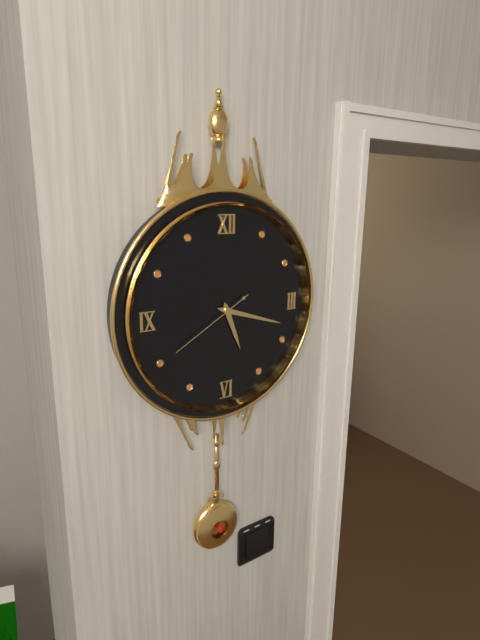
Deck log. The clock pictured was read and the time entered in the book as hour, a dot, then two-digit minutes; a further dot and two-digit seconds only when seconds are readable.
5.18.40
